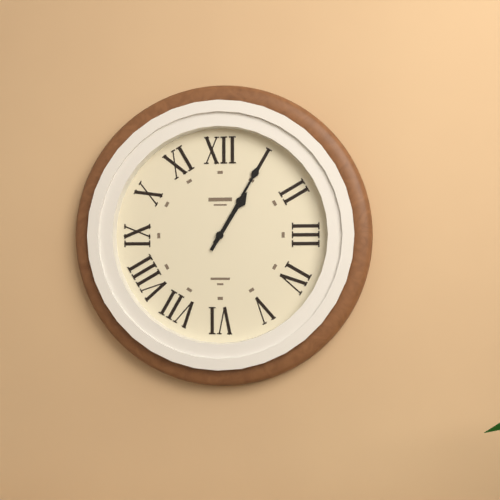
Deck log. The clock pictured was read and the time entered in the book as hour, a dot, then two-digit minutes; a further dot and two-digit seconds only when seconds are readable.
1.05
